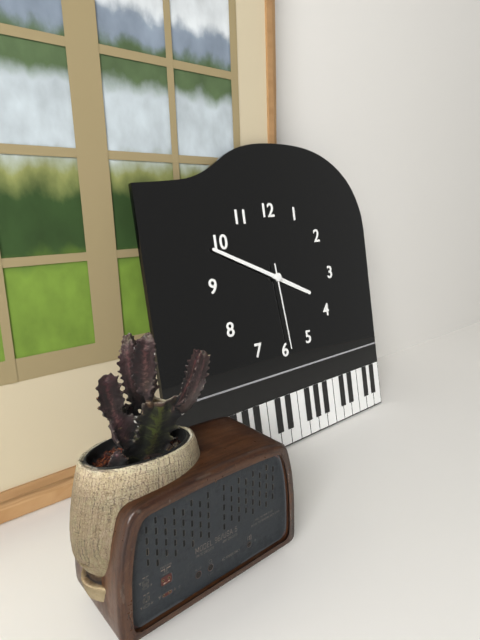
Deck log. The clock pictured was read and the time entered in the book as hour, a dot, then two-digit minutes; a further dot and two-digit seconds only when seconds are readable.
3.49.29
